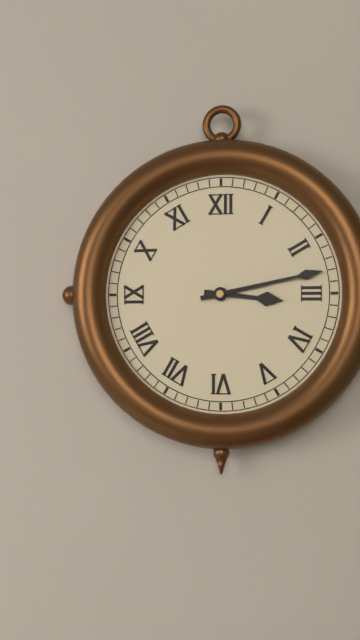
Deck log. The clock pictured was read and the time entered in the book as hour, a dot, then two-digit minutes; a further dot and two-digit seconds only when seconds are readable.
3.13
